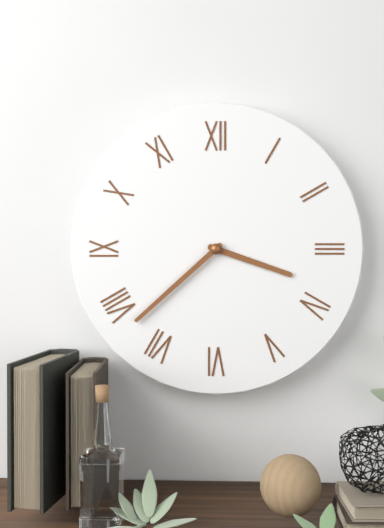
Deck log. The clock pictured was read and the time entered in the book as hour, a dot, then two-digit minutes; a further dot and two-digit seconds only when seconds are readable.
3.38
